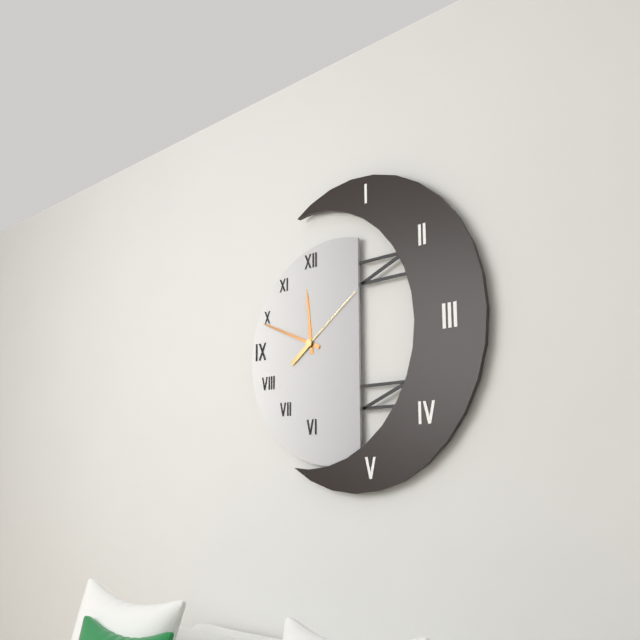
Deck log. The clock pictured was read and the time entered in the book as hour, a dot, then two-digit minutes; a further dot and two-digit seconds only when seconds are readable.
11.49.09
